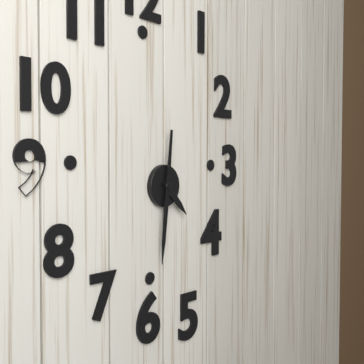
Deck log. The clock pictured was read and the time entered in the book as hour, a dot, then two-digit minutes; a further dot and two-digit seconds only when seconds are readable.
4.31
